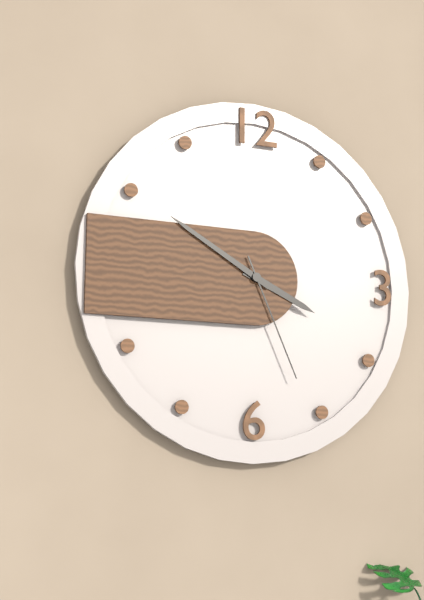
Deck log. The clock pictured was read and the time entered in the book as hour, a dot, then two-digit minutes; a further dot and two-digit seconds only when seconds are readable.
3.50.26
